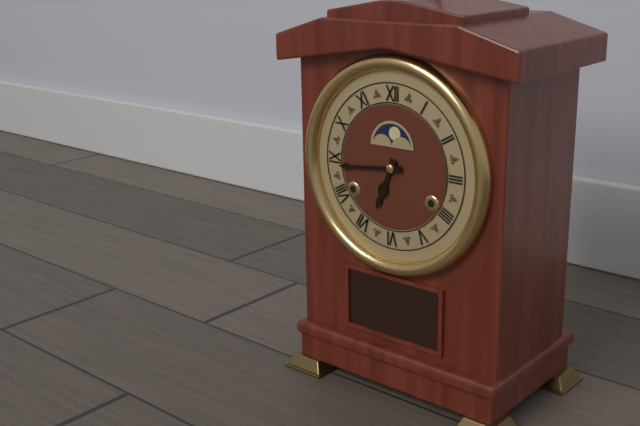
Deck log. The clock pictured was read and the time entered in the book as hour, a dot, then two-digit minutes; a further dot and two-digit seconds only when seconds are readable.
6.44
